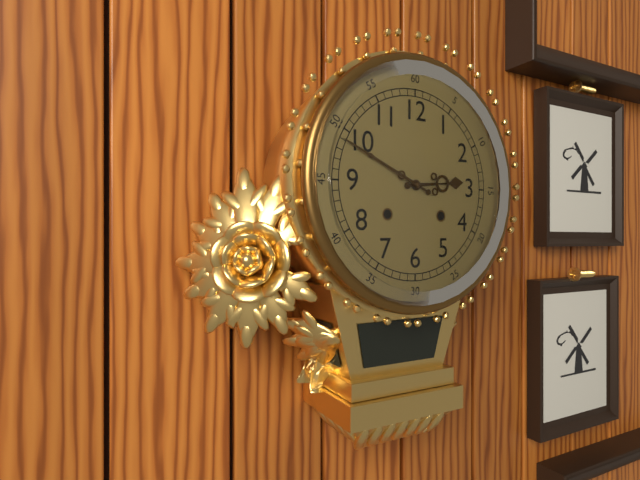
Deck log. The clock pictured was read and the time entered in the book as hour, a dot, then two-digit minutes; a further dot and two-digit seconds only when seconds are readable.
2.49
